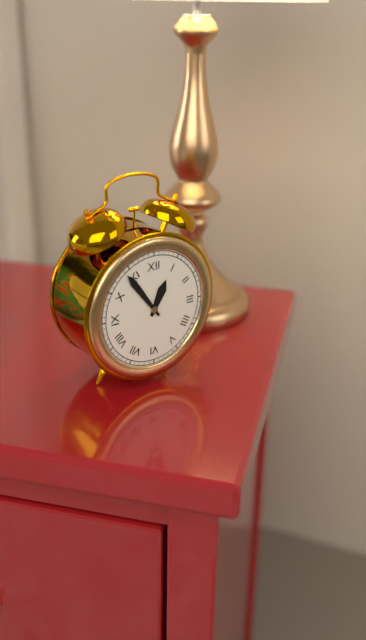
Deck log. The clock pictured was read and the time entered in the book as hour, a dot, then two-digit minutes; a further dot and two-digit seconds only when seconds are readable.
12.54
